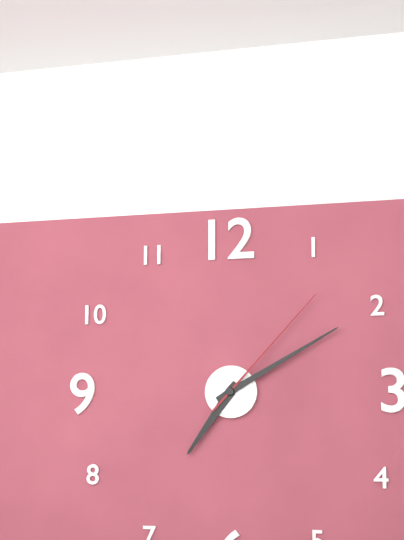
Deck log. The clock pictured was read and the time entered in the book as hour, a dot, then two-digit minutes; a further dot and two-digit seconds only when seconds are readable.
7.10.07
